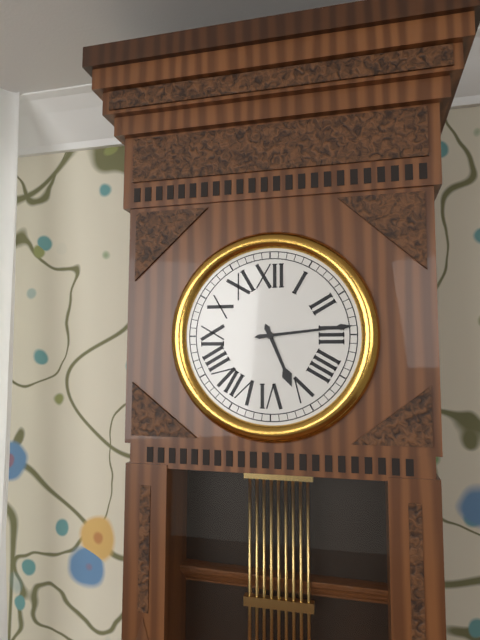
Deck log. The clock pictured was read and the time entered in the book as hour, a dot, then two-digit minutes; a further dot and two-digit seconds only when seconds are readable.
5.14
